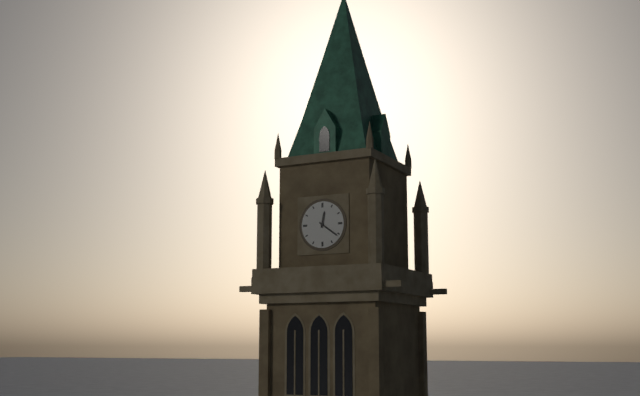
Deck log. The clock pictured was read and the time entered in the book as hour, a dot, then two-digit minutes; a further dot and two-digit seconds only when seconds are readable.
12.21
